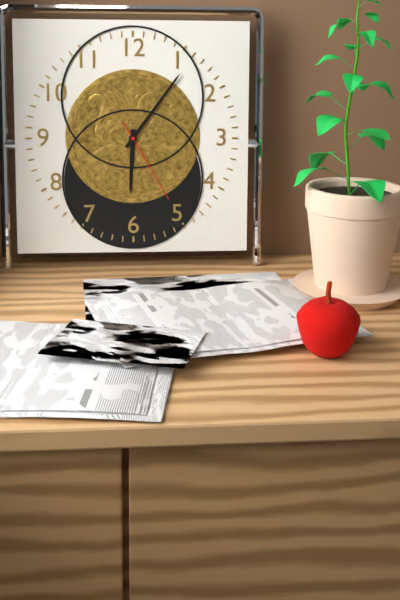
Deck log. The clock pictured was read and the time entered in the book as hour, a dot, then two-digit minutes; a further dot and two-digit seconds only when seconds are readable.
6.06.25
